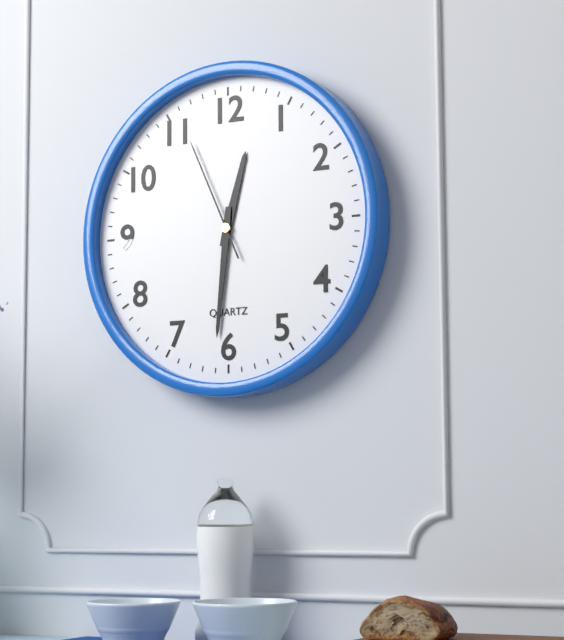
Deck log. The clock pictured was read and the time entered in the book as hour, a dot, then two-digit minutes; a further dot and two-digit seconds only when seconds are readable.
12.31.56
